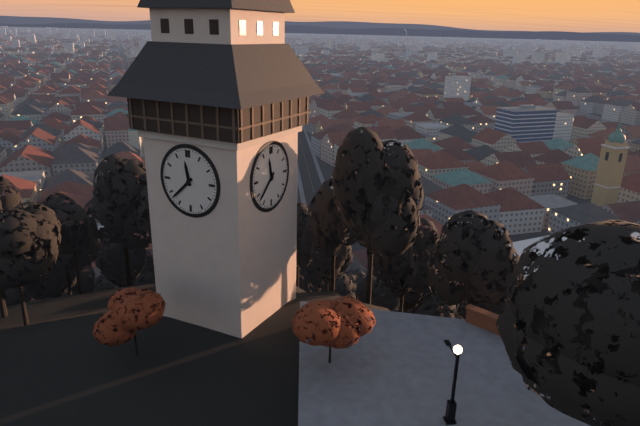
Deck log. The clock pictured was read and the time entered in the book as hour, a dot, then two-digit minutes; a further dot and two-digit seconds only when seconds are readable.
11.38
